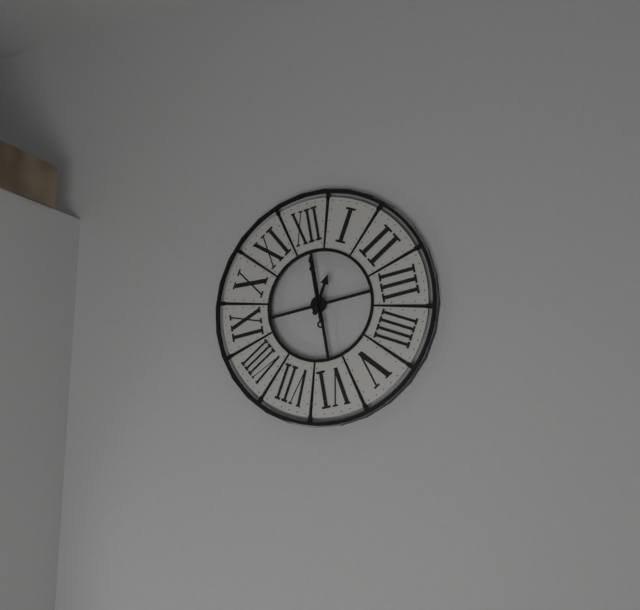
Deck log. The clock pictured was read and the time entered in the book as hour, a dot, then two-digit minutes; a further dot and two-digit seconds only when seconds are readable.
1.00
